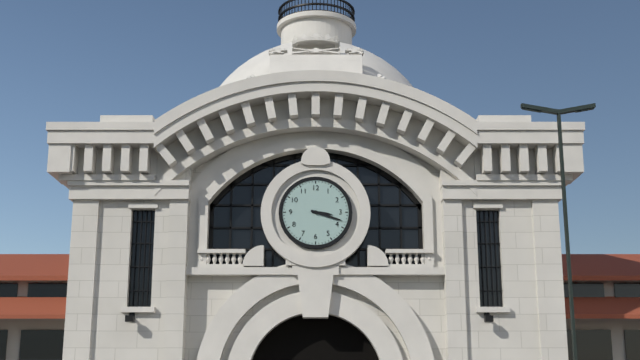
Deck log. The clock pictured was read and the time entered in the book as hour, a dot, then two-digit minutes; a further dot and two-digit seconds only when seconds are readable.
3.18
